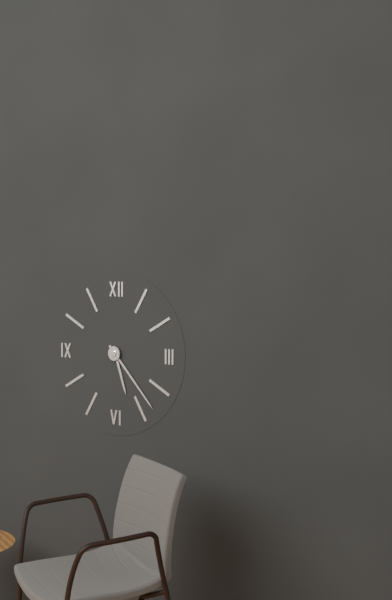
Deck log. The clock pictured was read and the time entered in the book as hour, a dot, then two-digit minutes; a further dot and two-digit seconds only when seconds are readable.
5.23
